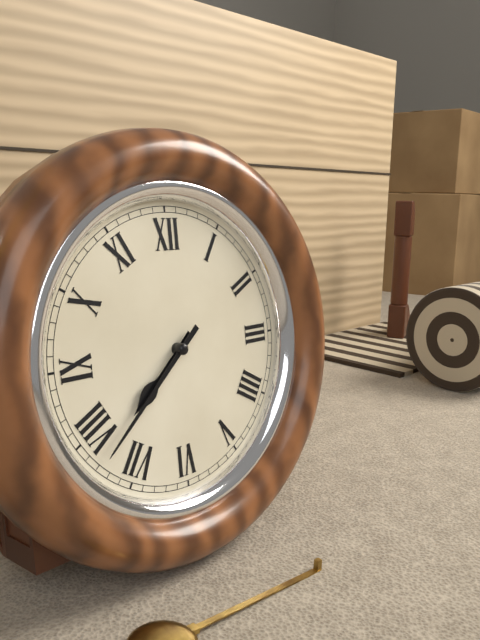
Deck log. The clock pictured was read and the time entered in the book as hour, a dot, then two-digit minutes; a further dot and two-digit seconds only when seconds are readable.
7.38
